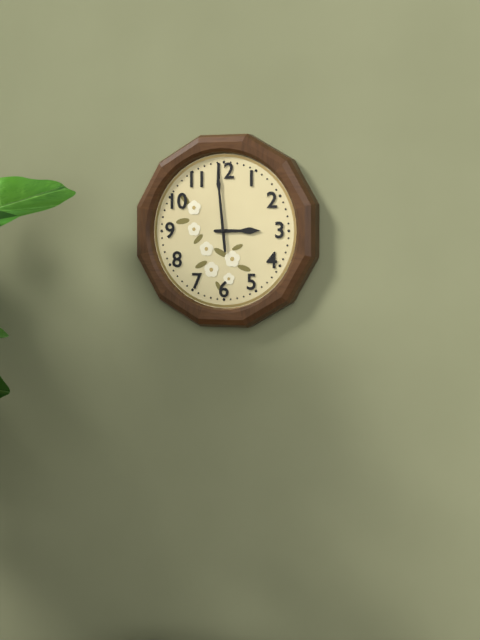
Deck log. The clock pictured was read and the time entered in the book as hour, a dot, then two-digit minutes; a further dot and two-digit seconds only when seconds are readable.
2.59
